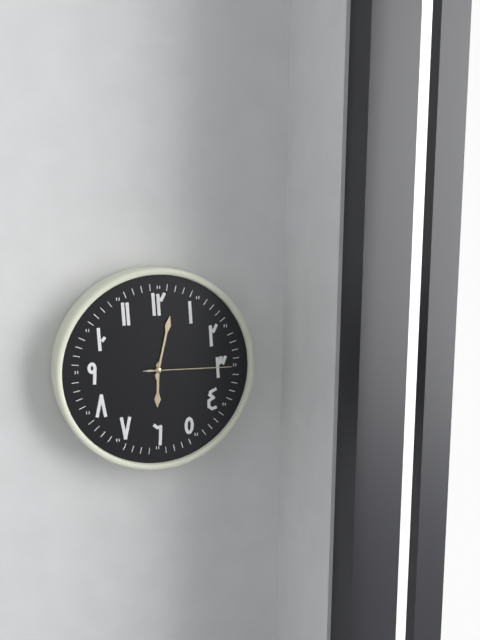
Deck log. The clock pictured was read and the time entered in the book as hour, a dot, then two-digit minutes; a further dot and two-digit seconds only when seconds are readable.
6.02.15
